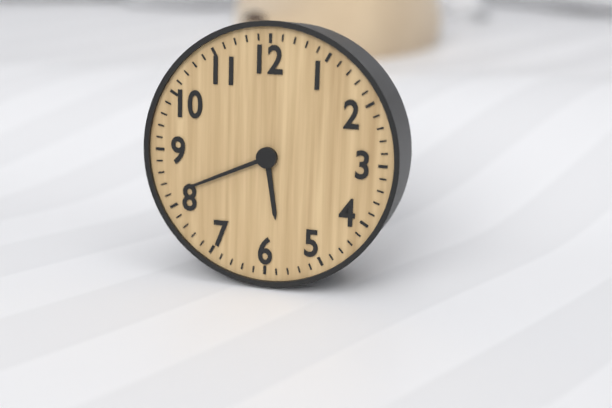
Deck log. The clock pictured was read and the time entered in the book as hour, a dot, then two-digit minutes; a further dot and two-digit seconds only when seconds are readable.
5.41
